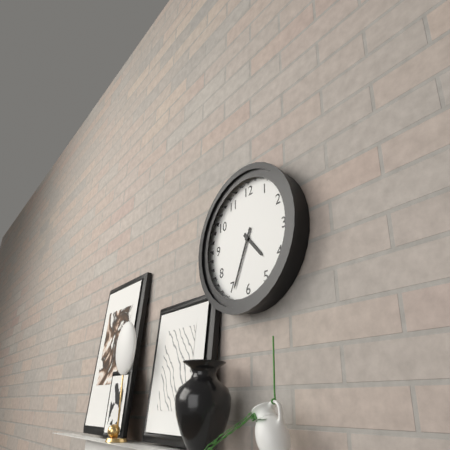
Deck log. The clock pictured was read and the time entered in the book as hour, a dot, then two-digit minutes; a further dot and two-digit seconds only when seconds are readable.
4.34
